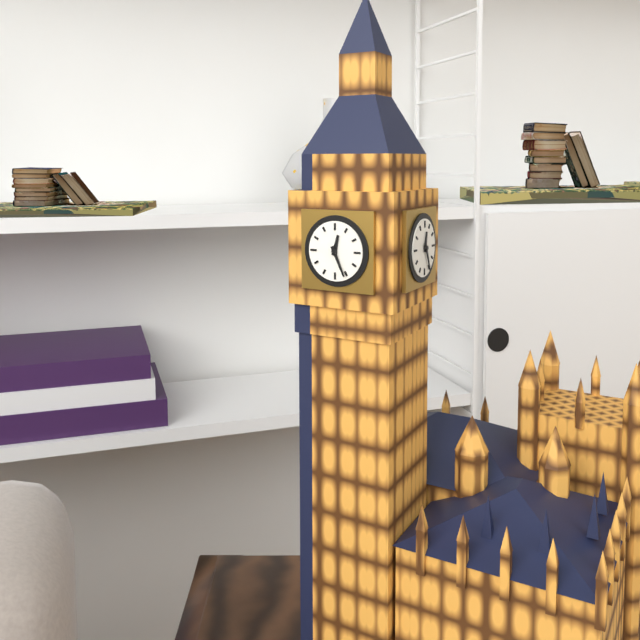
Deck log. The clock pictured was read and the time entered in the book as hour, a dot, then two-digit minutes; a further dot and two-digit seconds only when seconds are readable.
12.26
